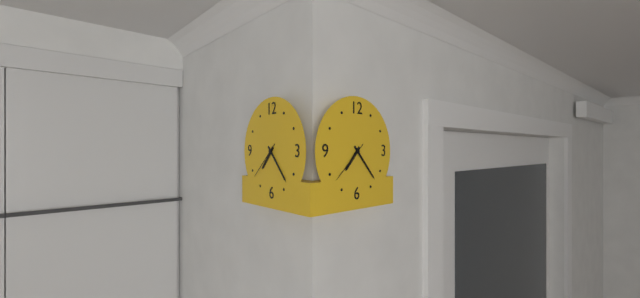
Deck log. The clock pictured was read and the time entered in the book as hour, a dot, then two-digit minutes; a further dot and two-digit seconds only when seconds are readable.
7.23
